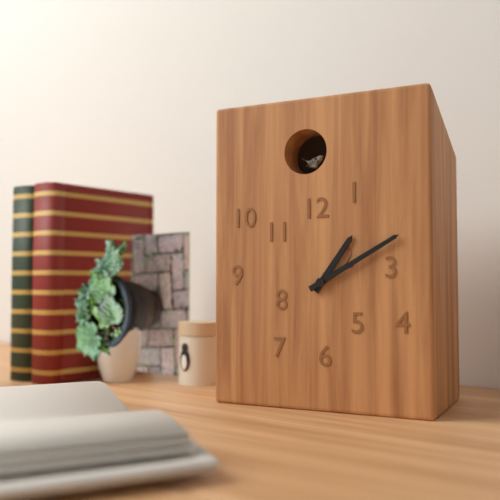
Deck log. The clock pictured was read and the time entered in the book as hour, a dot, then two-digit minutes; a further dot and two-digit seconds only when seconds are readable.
1.10
